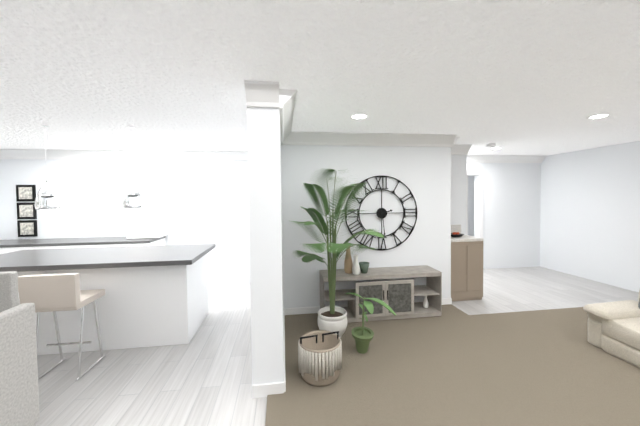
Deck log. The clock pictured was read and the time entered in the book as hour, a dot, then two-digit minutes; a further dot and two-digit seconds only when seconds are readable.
2.29
